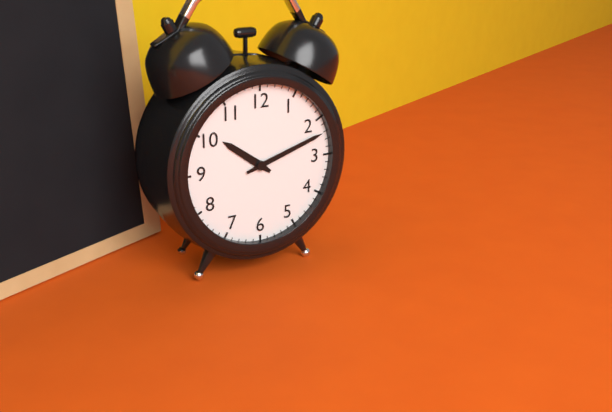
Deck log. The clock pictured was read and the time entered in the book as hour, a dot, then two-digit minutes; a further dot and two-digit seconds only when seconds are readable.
10.12
